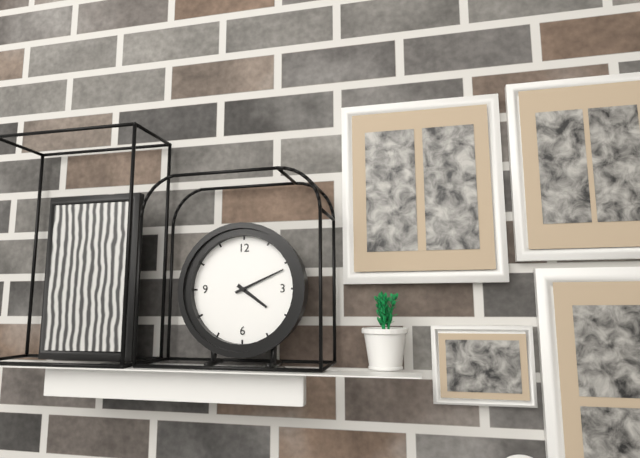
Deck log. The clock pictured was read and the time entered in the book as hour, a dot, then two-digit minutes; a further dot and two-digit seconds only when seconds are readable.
4.11
